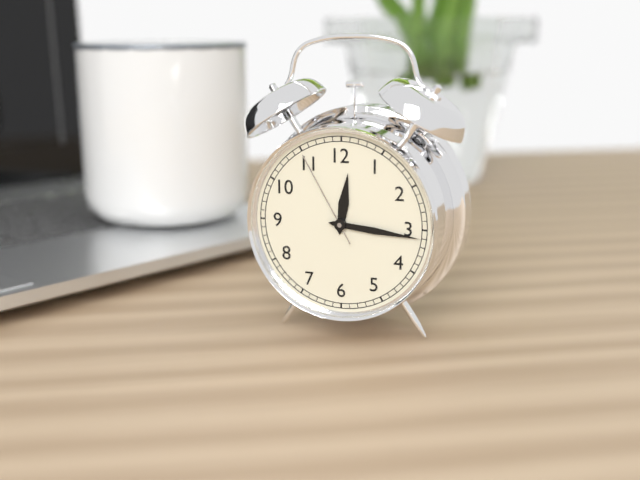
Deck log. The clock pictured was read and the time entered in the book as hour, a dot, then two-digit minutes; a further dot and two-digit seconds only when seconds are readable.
12.16.55
